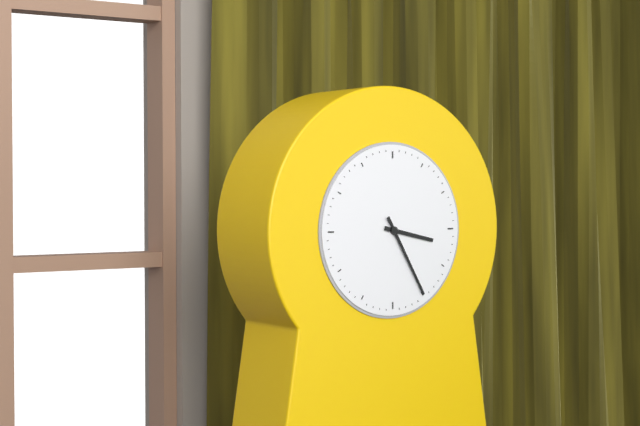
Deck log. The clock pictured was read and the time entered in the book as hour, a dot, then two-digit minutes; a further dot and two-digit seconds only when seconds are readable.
3.25
